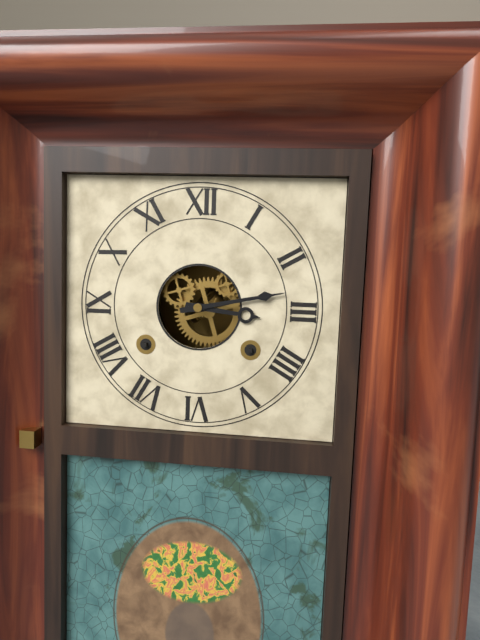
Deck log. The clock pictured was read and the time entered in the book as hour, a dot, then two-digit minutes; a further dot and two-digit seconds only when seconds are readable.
3.13
